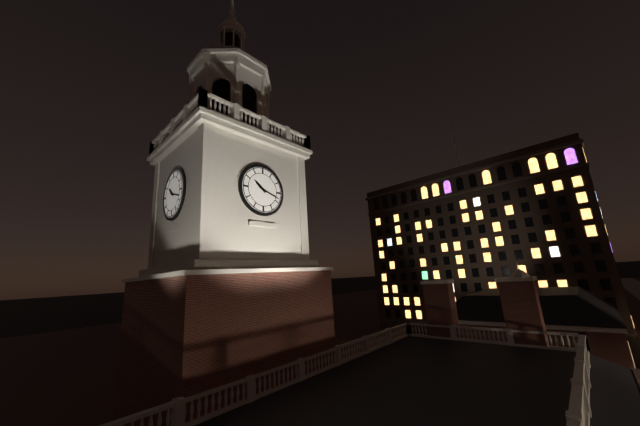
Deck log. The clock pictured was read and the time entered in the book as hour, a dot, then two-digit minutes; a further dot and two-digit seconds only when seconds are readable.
10.18
